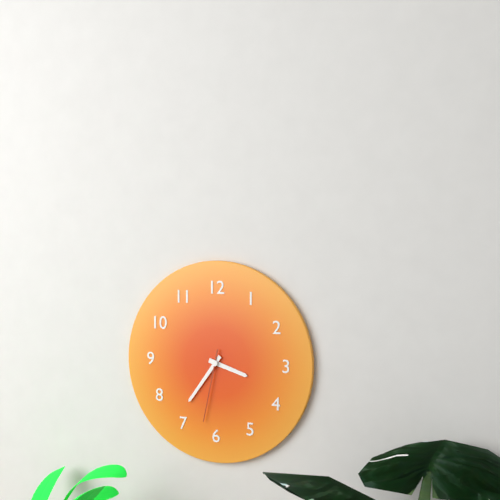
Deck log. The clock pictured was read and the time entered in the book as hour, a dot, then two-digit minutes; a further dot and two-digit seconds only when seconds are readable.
3.36.32
